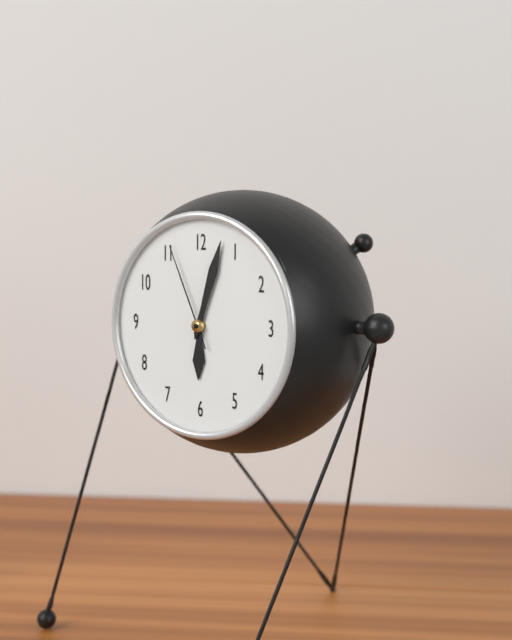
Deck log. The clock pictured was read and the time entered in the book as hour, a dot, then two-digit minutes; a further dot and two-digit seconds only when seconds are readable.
6.03.56
